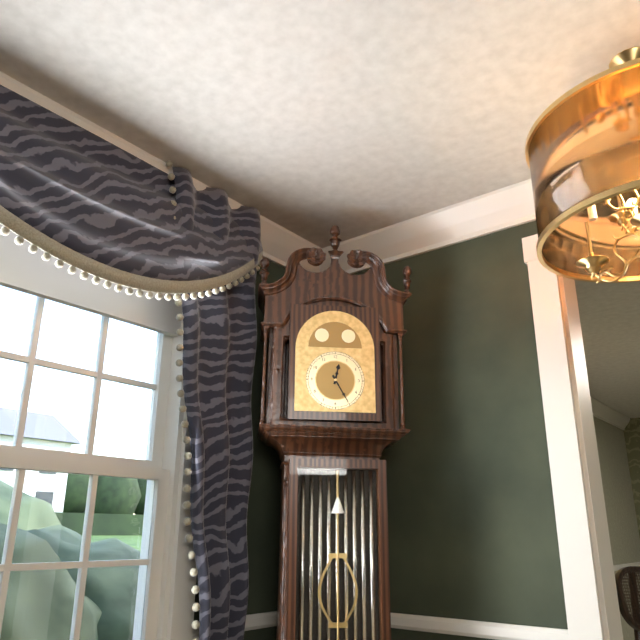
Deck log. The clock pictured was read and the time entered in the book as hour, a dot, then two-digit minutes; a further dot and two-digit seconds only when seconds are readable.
12.25
